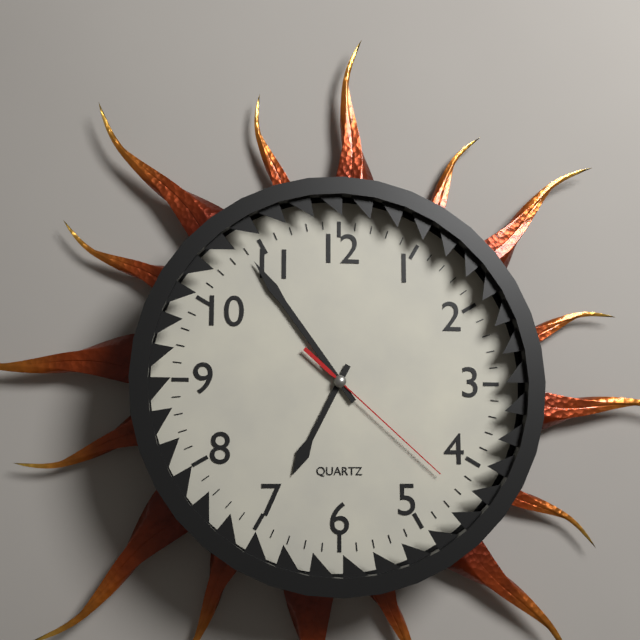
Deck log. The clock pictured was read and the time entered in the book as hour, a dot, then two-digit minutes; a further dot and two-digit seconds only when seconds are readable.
6.54.22
